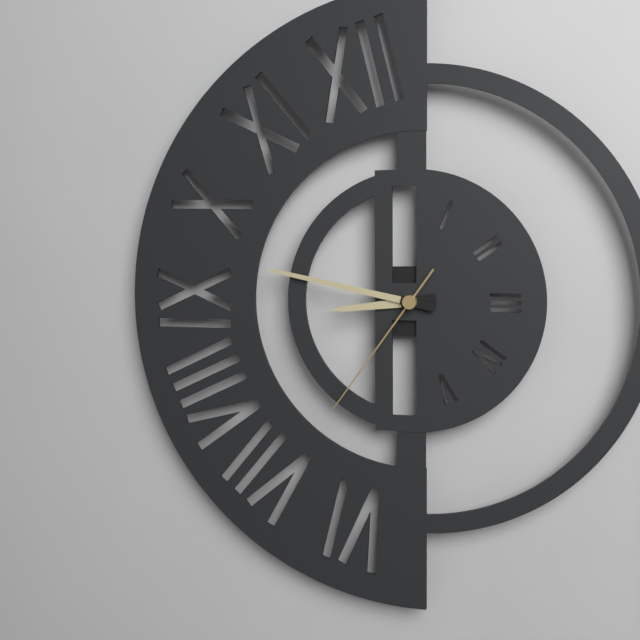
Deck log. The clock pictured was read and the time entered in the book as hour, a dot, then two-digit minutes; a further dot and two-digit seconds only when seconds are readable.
8.47.36
